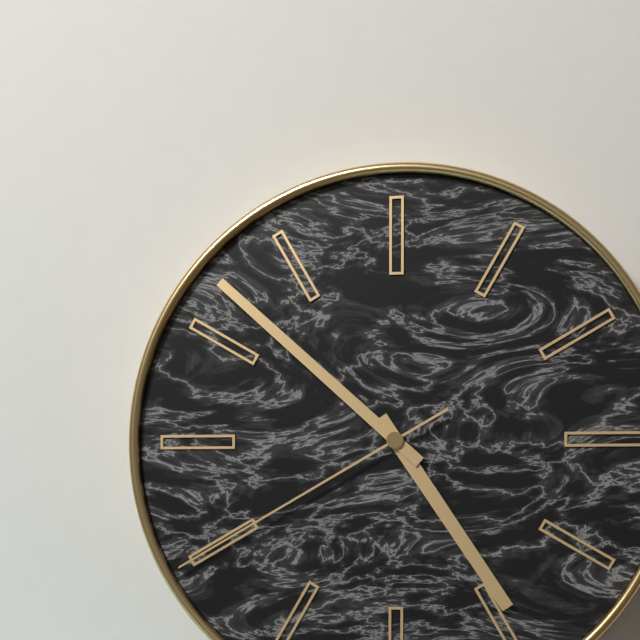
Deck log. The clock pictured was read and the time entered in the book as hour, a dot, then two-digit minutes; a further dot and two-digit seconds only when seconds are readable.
4.52.40
